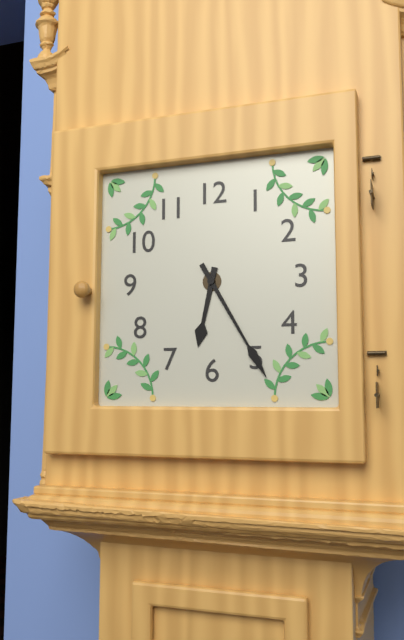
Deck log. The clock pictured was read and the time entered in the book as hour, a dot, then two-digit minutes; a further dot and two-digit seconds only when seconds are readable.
6.25
